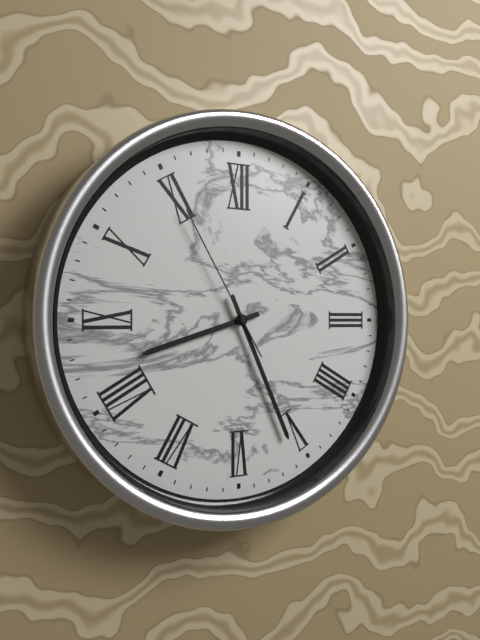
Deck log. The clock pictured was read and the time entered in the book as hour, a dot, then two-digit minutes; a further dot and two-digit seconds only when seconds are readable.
8.26.55
